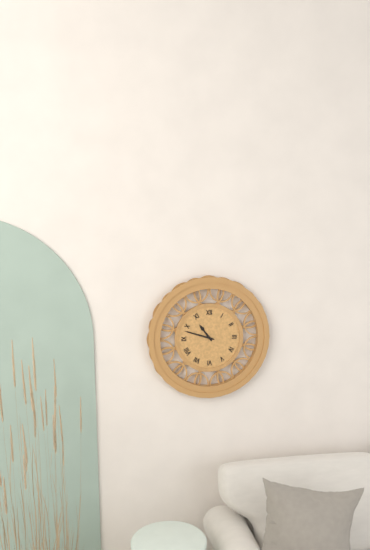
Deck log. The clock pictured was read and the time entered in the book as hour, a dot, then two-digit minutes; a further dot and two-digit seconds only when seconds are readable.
10.48
